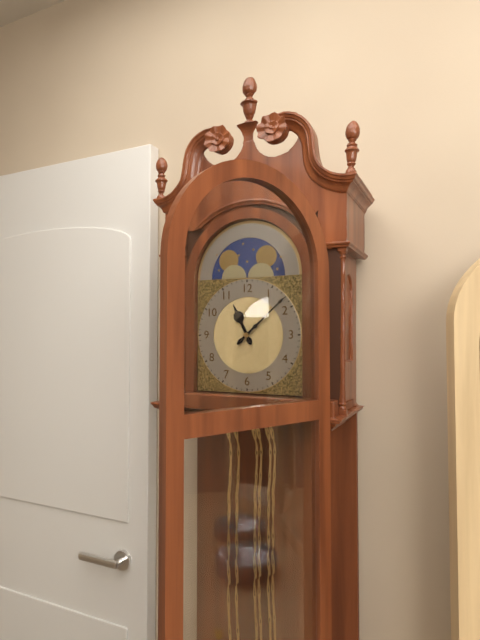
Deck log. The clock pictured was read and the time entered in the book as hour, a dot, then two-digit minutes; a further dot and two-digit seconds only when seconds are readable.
11.08
